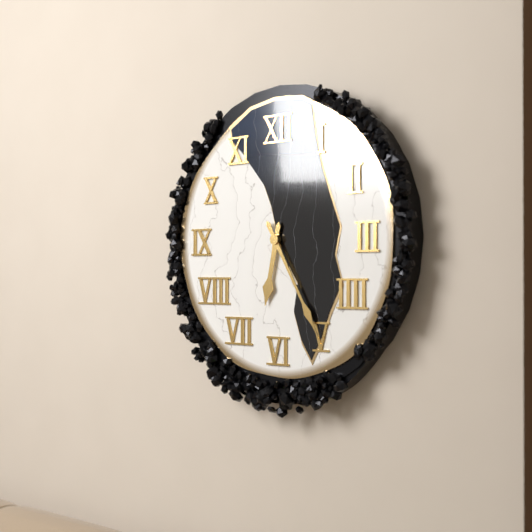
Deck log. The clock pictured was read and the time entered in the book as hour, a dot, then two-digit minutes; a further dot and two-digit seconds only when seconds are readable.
6.25
